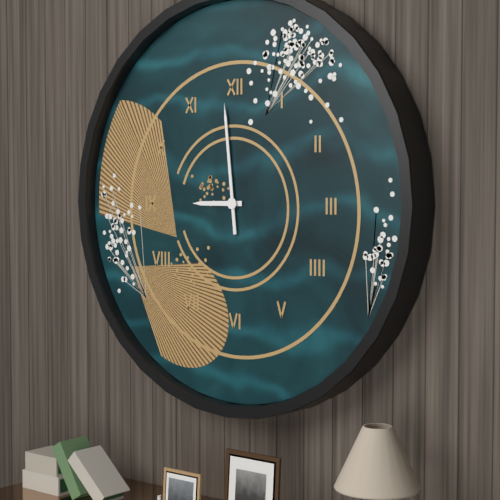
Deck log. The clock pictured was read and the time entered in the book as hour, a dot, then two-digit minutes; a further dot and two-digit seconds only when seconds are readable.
8.59
